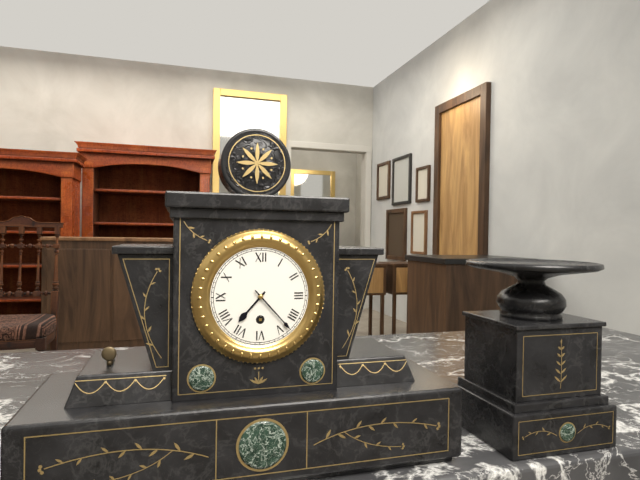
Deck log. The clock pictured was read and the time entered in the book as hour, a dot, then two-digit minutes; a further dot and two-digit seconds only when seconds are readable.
7.23
